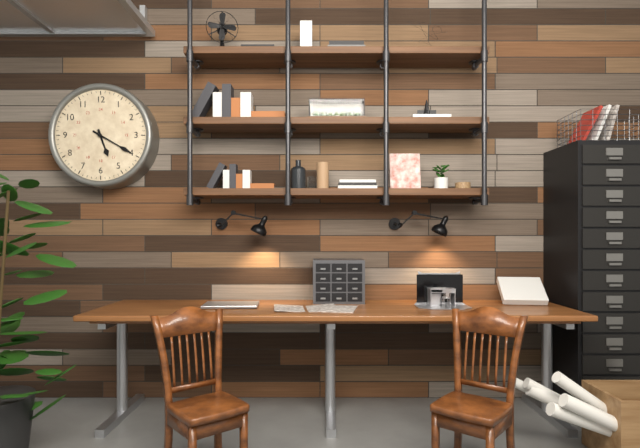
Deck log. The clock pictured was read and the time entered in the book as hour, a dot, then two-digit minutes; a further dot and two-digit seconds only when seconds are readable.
5.20
